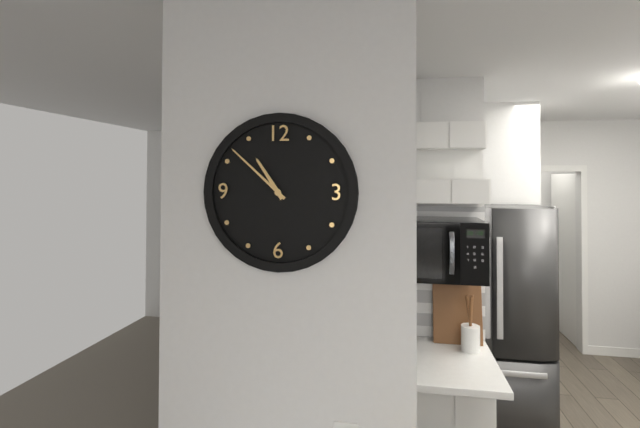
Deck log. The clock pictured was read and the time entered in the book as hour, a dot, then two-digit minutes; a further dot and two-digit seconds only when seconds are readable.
10.52
